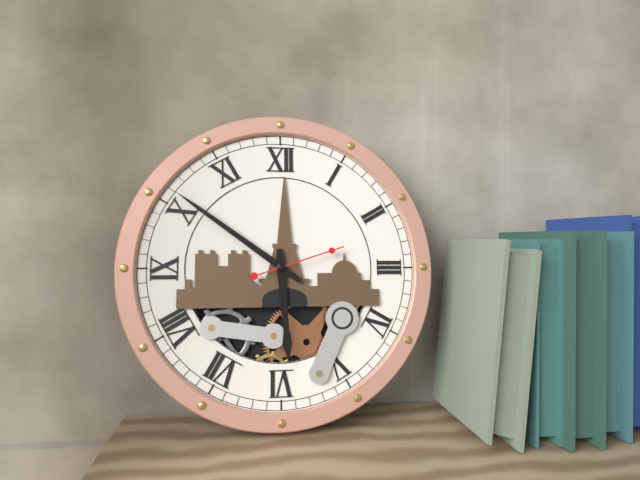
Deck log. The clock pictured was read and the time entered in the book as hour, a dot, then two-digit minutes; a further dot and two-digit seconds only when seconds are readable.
5.51.12
